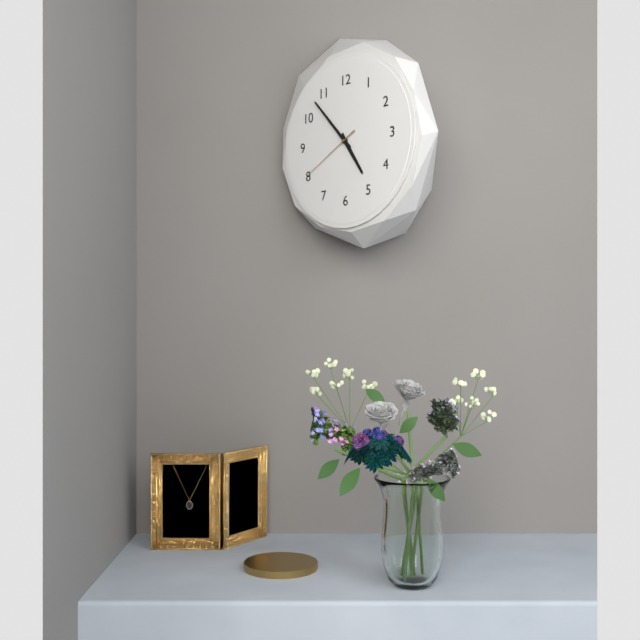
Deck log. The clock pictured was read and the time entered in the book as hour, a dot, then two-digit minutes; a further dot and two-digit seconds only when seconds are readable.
4.53.40
